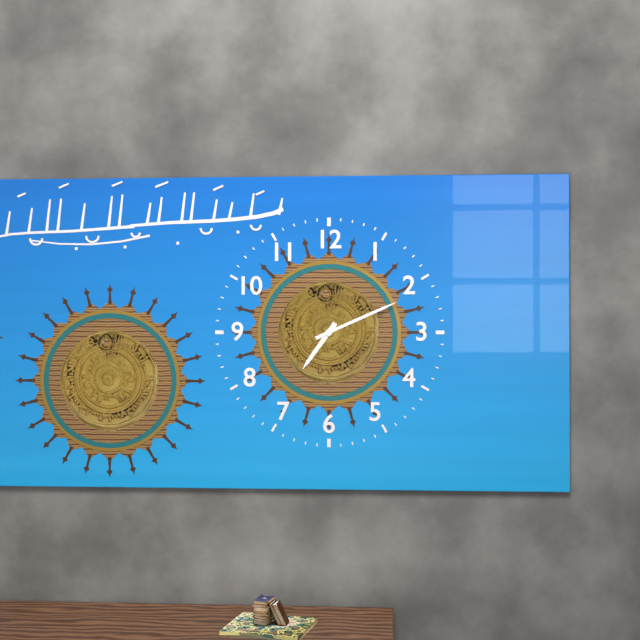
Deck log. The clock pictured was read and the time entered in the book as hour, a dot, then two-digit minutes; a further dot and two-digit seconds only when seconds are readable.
7.11
